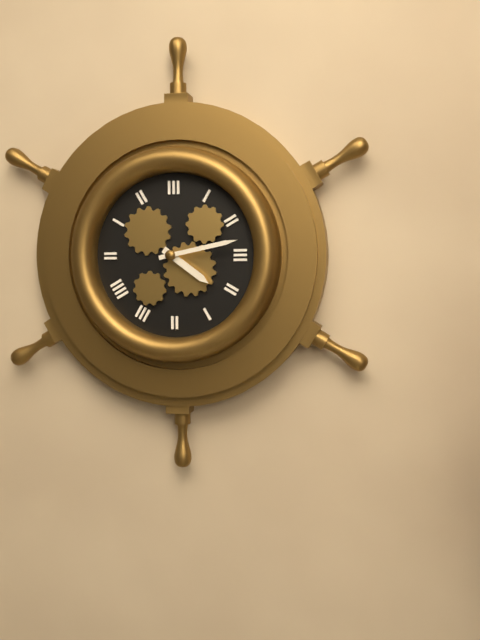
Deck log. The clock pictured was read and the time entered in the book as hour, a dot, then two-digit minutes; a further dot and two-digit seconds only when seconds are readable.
4.13
